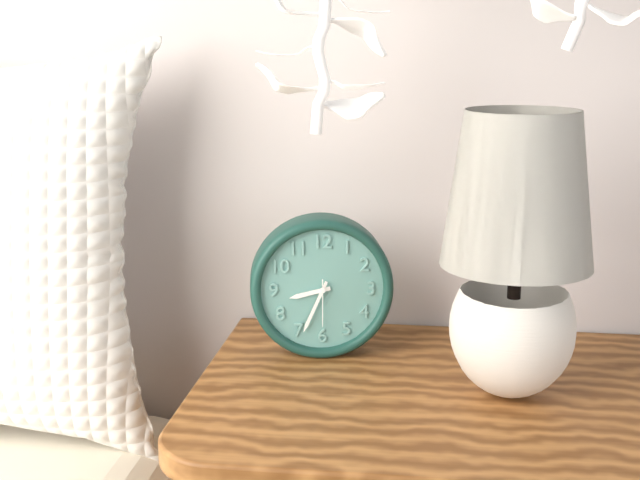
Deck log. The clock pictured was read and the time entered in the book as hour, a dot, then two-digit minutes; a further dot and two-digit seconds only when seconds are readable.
8.34.30
